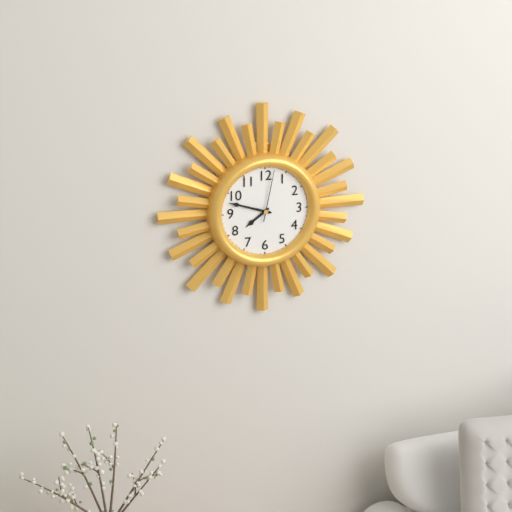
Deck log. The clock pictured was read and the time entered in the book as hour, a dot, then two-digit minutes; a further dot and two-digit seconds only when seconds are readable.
7.48.02
